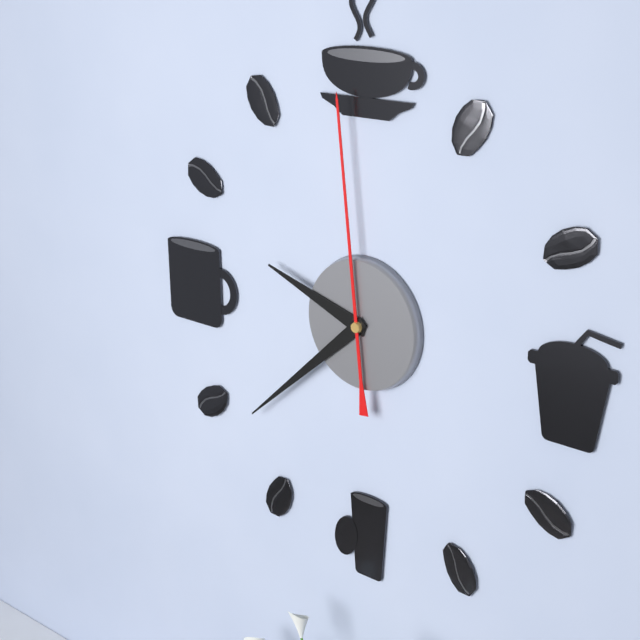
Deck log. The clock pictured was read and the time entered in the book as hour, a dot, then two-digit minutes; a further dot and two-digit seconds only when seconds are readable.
9.38.59
